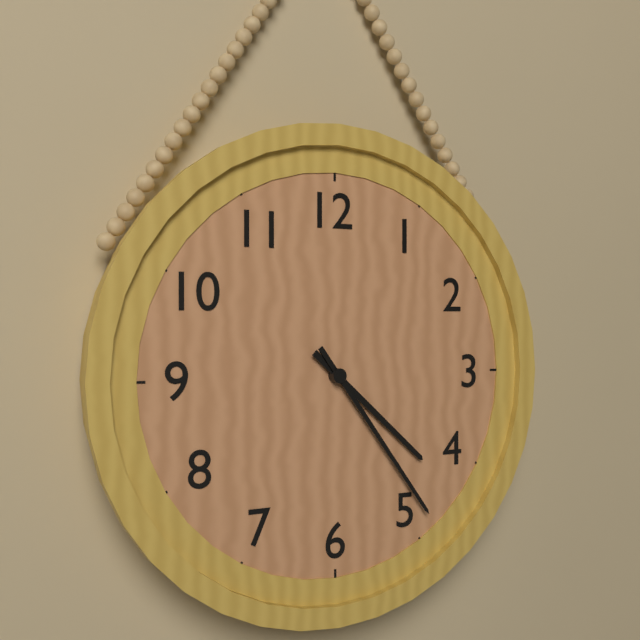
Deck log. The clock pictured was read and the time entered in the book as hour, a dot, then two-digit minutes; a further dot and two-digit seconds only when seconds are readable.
4.24
